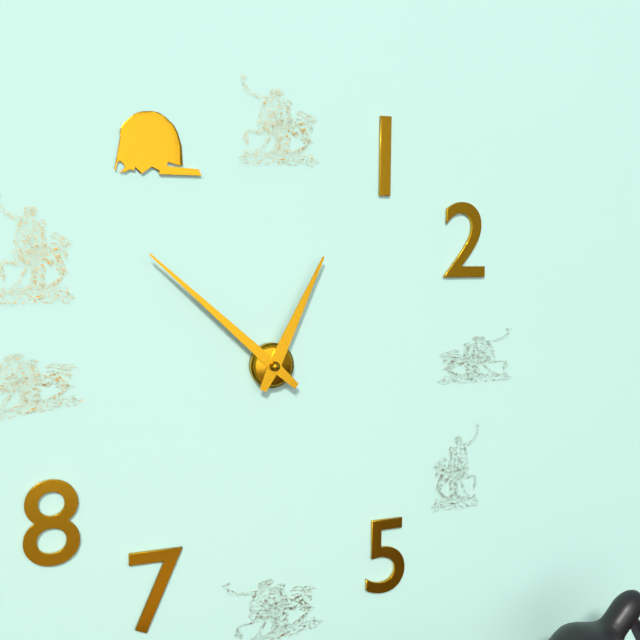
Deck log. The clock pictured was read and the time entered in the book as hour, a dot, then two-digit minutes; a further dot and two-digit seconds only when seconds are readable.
12.52
